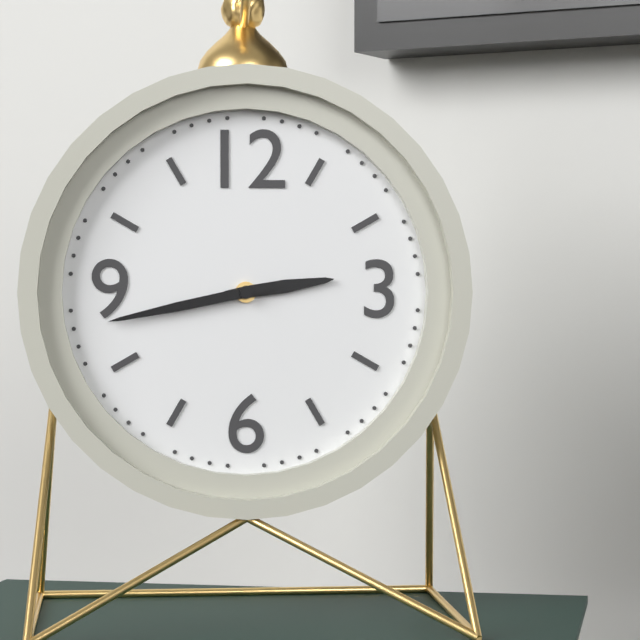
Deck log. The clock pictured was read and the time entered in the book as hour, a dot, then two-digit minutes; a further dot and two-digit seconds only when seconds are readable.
2.43
